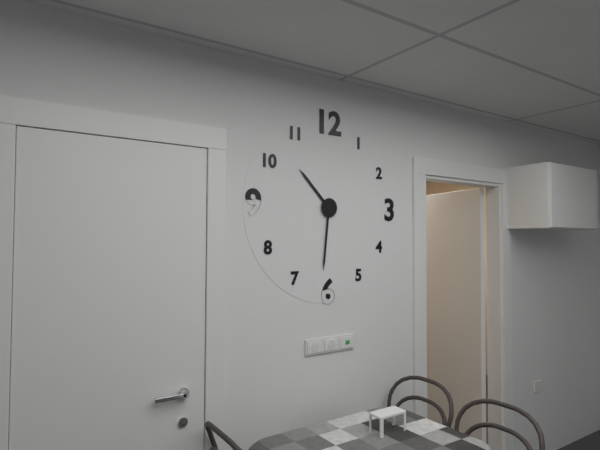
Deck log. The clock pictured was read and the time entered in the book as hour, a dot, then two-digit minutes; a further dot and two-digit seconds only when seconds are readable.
10.31
